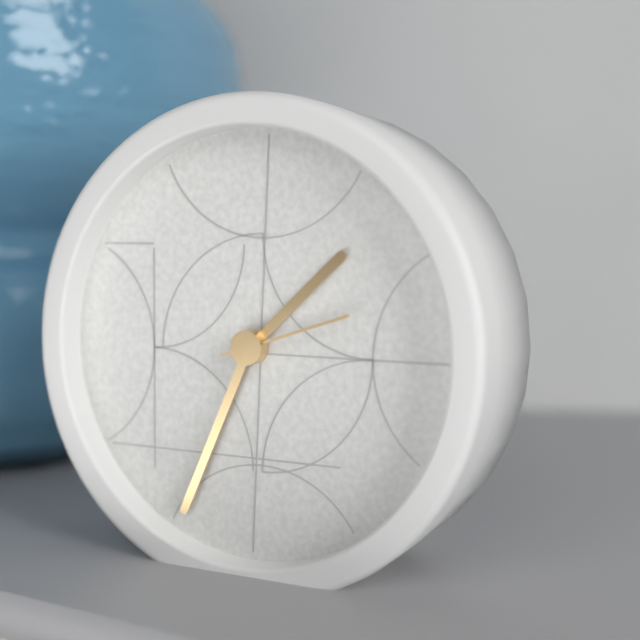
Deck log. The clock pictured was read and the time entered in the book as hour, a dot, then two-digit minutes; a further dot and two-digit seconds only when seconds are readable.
1.34.12
